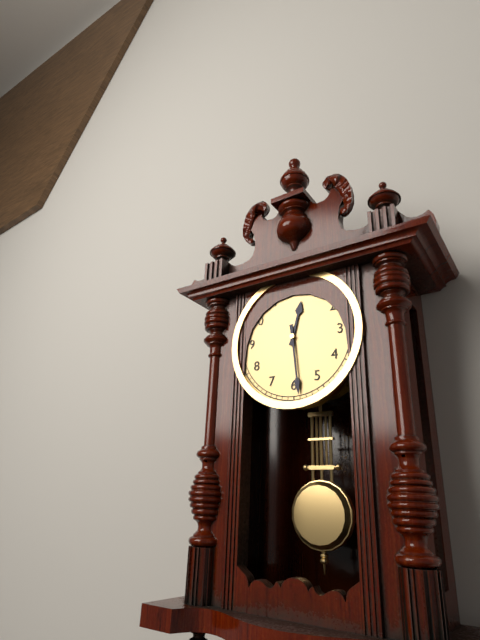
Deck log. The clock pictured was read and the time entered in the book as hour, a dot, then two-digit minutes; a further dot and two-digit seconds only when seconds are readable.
12.29
